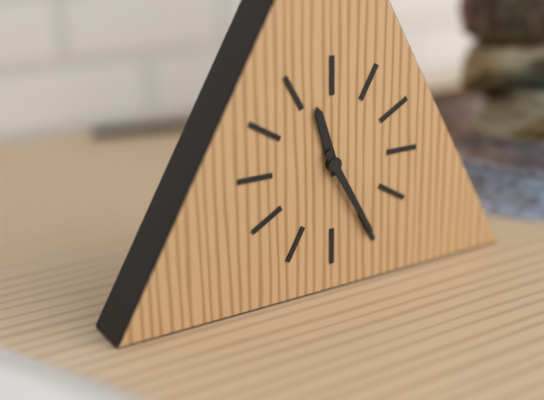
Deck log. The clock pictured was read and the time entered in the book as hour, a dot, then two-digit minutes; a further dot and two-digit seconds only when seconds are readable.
11.25
